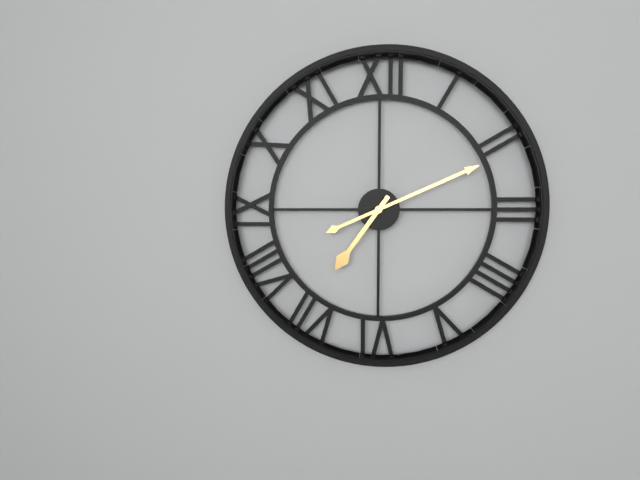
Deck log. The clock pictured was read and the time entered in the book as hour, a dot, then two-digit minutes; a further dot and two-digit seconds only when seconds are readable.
7.11
